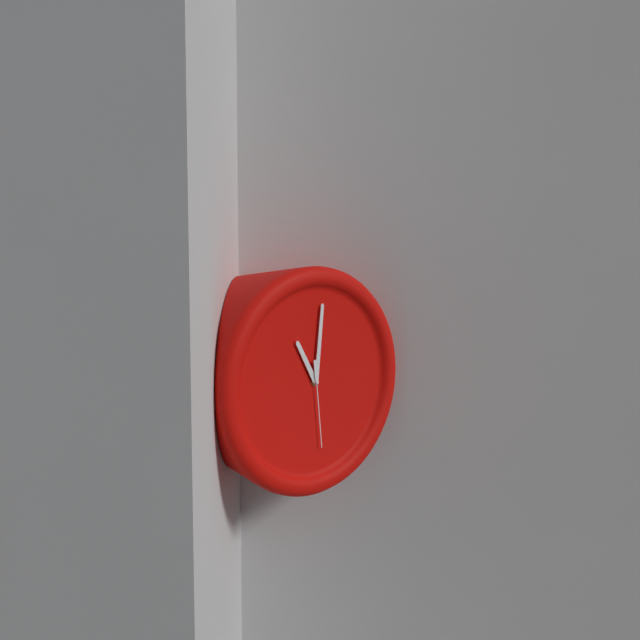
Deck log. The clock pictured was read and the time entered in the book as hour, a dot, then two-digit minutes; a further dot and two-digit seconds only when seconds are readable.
11.01.29
